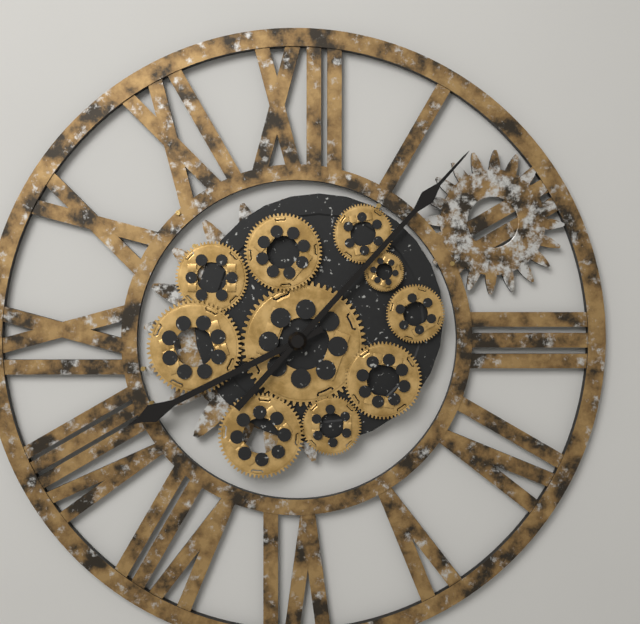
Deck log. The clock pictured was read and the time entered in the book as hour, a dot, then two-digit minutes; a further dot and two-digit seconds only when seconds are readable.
8.07
